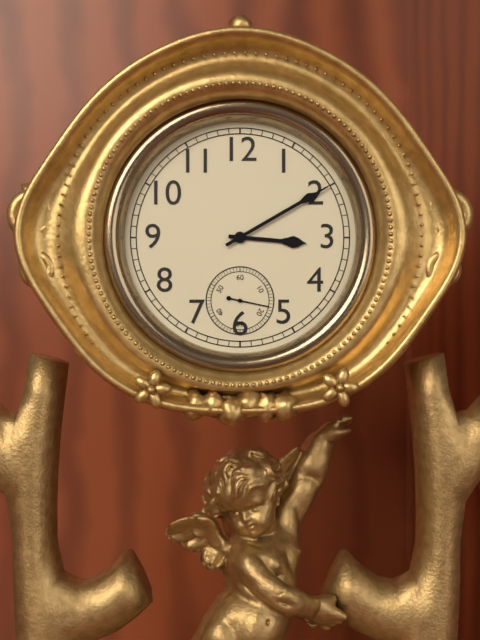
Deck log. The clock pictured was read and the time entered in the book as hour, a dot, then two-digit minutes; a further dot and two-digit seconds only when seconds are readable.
3.10
